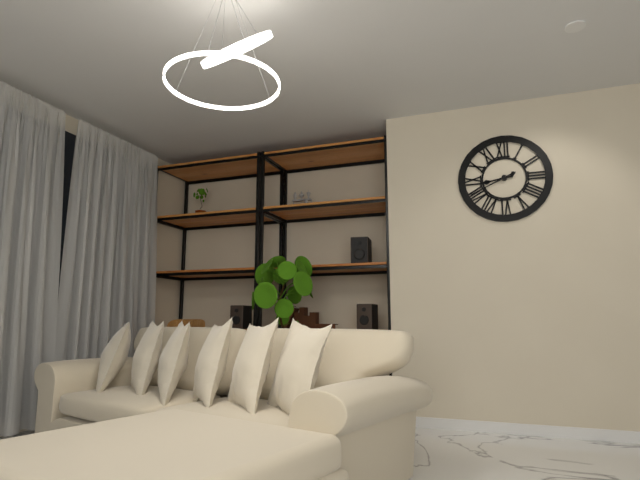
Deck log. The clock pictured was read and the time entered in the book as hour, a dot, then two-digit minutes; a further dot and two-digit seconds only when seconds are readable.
8.41
